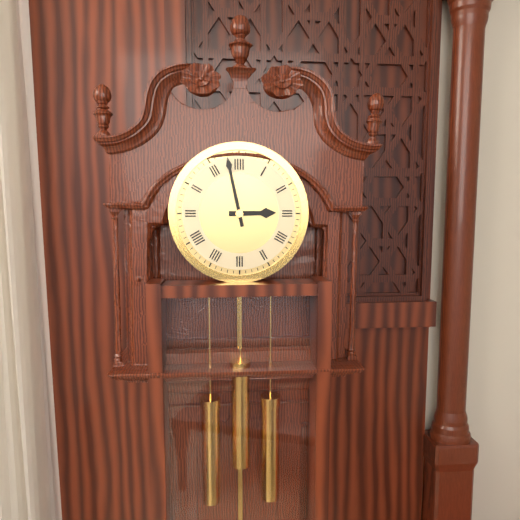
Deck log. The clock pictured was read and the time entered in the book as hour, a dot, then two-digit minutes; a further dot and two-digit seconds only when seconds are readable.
2.58
